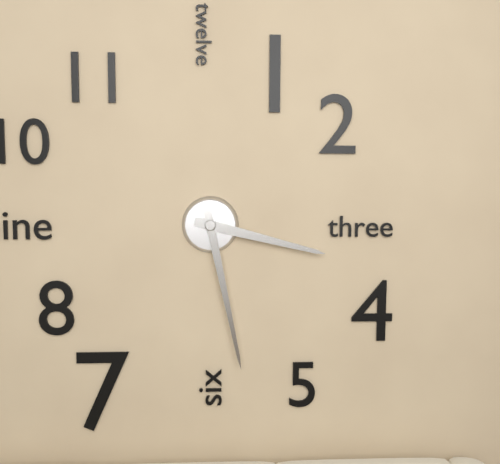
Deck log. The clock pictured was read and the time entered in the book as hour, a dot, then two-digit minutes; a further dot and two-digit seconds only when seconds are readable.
3.28
